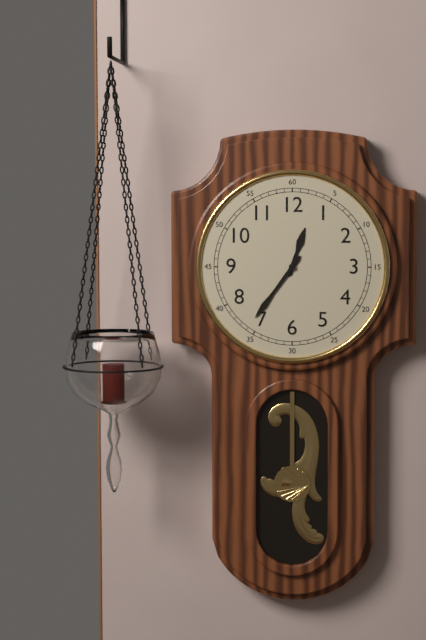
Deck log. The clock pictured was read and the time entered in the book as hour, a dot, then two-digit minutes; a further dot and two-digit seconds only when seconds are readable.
12.36
